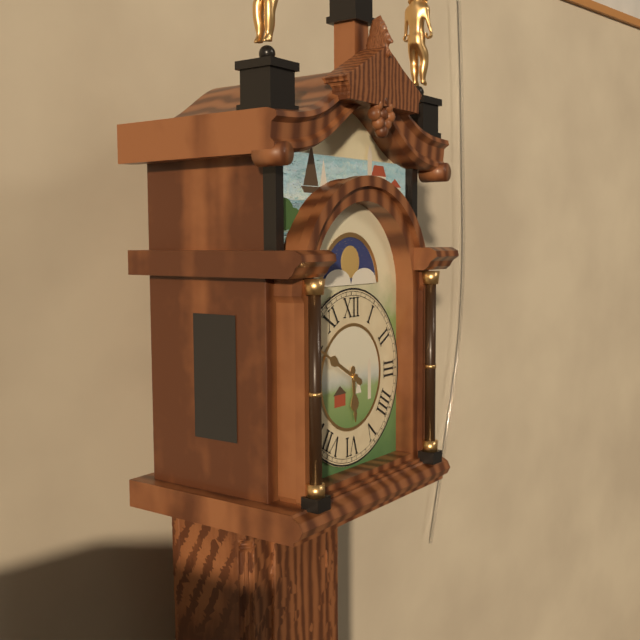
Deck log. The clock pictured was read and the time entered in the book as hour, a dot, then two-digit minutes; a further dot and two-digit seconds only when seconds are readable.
5.50
